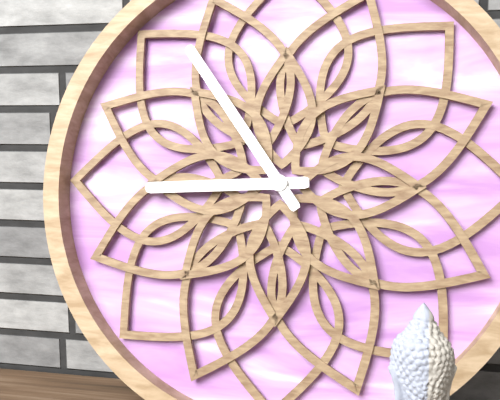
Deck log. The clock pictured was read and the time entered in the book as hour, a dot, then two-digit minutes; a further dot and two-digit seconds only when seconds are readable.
8.54
